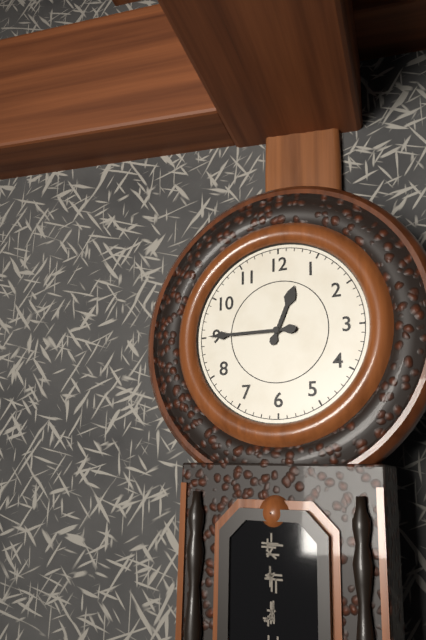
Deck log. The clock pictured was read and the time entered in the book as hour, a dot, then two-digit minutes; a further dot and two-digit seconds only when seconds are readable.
12.45
